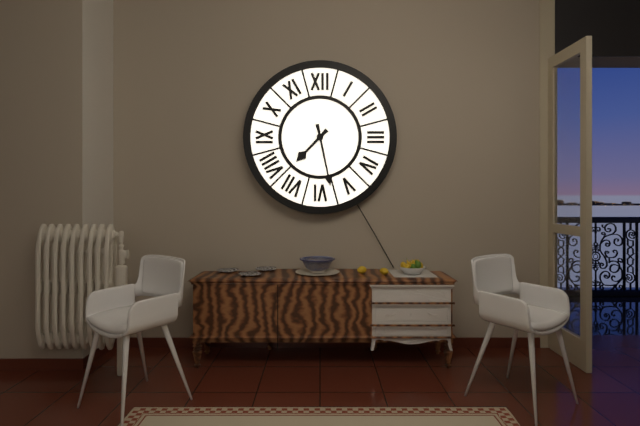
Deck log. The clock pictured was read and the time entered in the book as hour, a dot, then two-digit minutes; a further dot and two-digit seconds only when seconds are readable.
7.28
